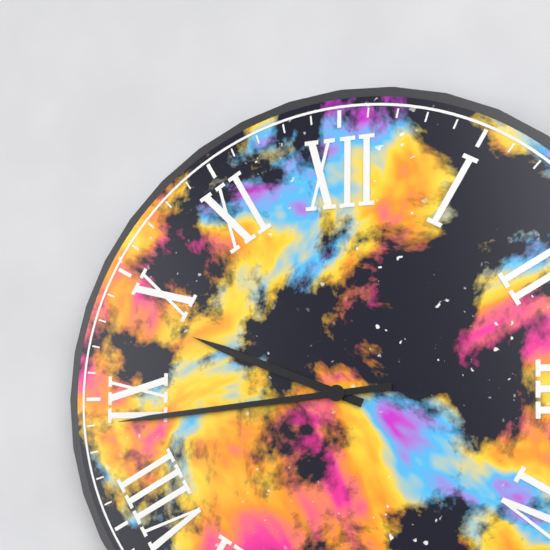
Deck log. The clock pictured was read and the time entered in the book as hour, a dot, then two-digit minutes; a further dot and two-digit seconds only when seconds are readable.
9.44
